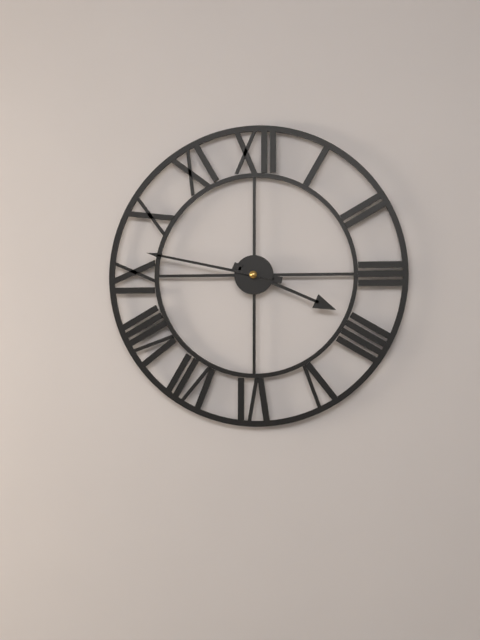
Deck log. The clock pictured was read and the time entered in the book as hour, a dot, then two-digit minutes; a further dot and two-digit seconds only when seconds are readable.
3.47
